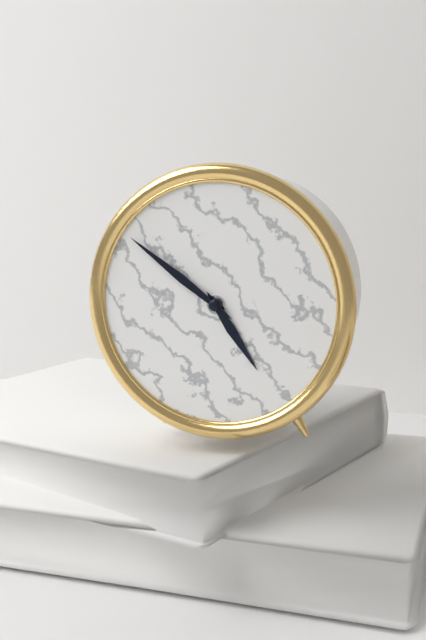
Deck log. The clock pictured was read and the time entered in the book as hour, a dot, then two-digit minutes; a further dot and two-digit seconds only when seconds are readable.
4.51
